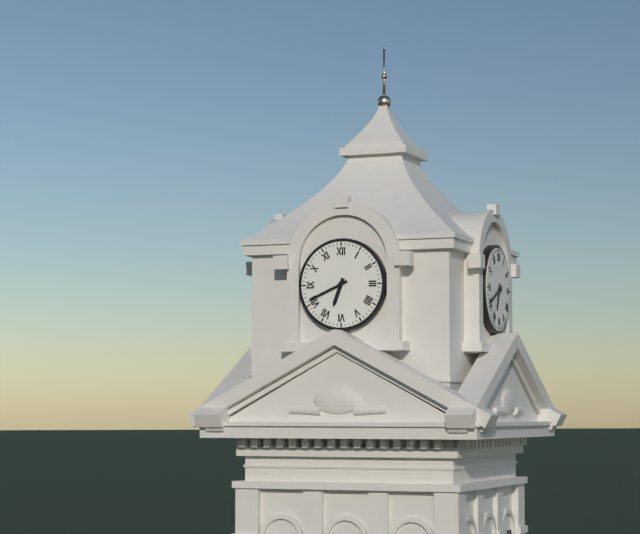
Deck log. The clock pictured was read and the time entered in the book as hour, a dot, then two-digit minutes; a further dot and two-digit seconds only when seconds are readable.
6.41
